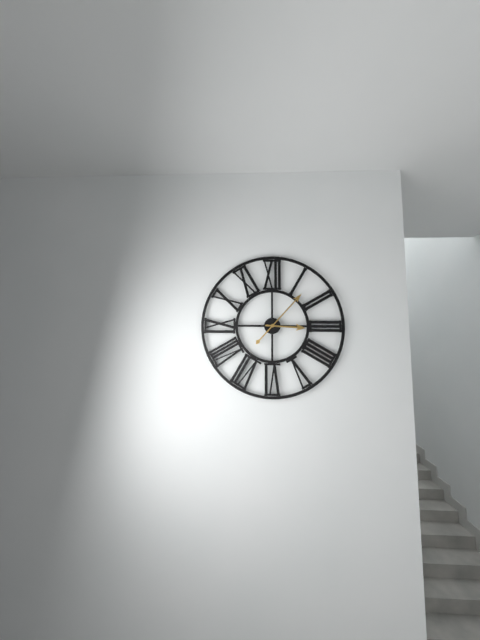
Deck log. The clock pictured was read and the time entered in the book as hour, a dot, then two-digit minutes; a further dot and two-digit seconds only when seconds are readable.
3.07
